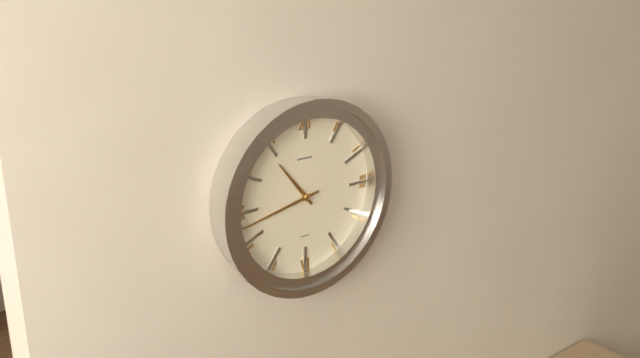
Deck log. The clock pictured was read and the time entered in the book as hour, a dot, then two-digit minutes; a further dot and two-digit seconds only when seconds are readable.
10.43
